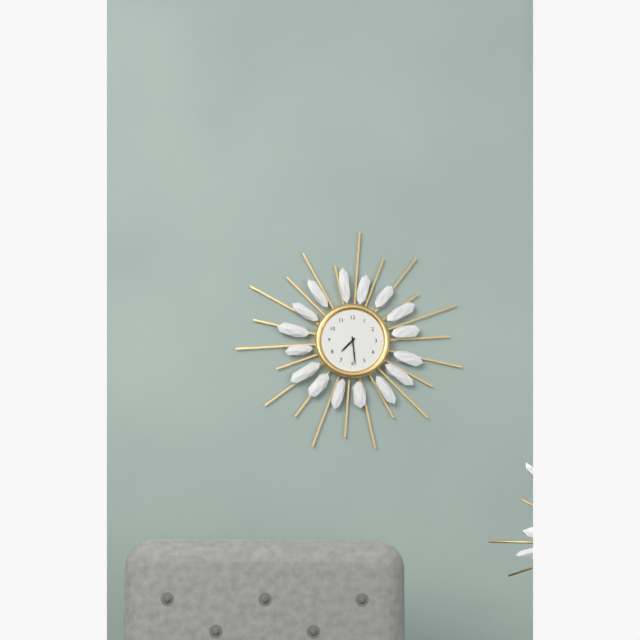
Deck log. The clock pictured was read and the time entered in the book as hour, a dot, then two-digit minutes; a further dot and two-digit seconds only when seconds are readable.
7.29
